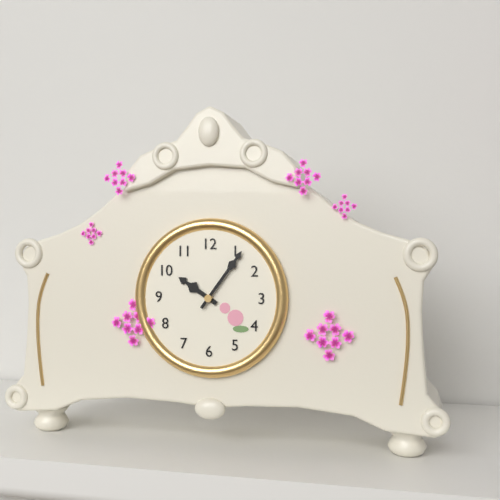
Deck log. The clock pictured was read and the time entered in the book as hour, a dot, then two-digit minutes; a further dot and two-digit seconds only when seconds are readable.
10.06
